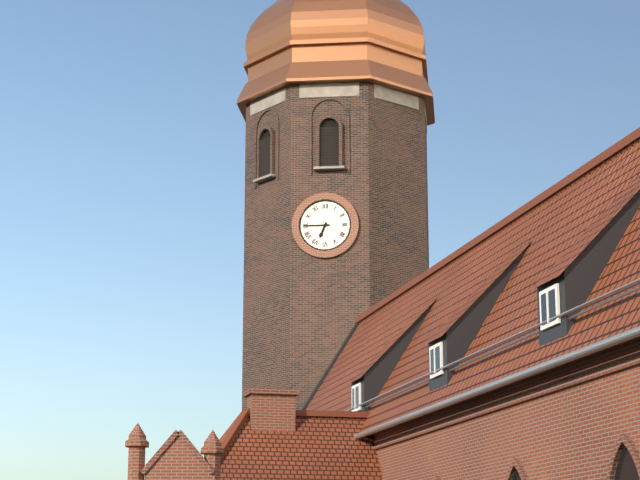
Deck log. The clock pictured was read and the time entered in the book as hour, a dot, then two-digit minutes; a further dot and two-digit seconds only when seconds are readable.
6.45
